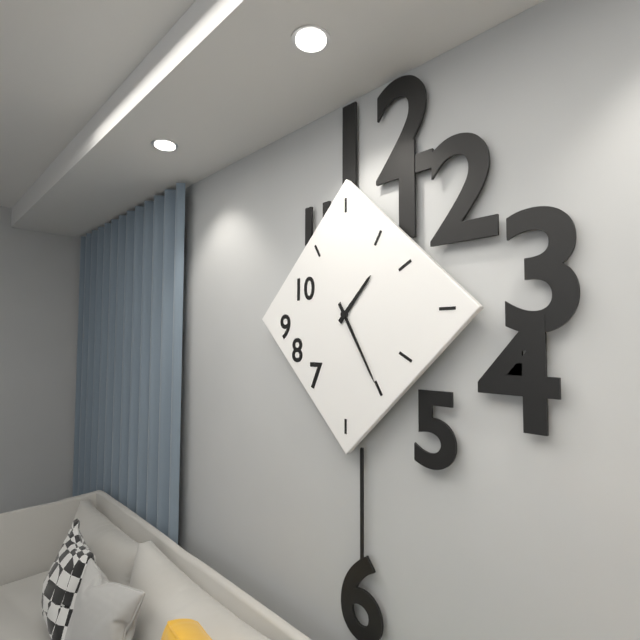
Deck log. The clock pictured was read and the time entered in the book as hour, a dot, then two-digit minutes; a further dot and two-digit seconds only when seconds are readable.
1.25
